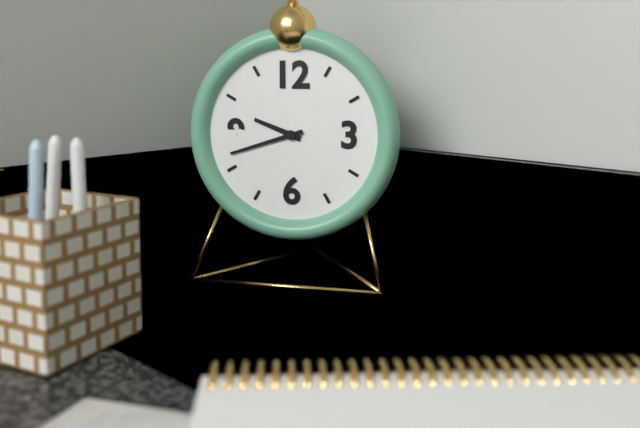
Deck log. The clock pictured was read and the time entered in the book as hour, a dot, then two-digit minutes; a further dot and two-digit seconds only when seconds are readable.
9.42
